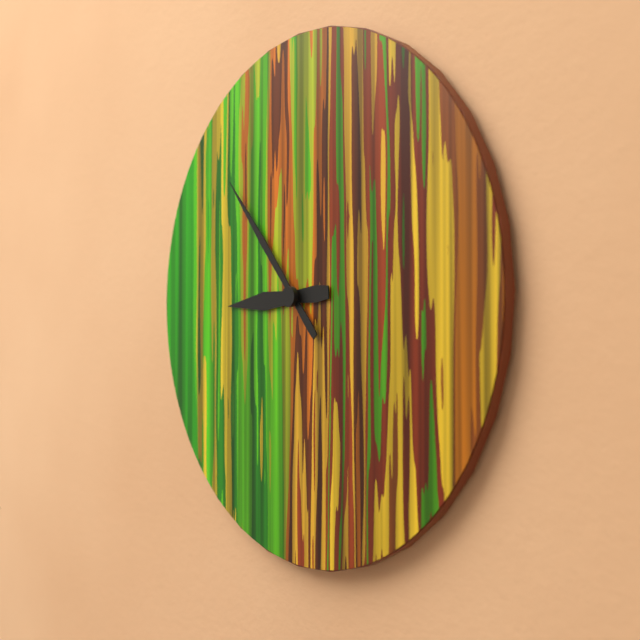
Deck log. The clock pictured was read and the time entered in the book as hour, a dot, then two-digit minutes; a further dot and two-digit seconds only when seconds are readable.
8.53
